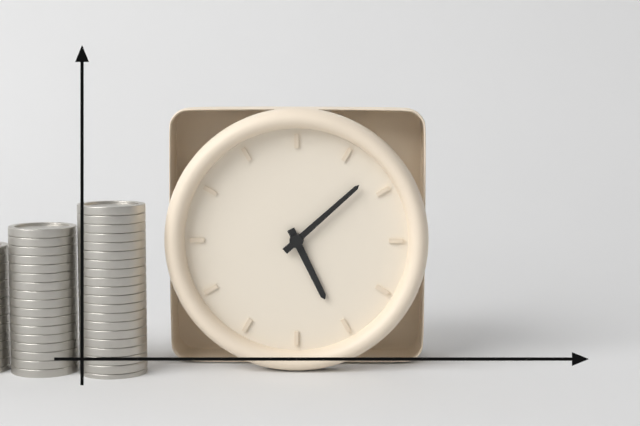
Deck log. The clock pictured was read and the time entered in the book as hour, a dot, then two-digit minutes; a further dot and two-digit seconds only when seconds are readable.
5.08
